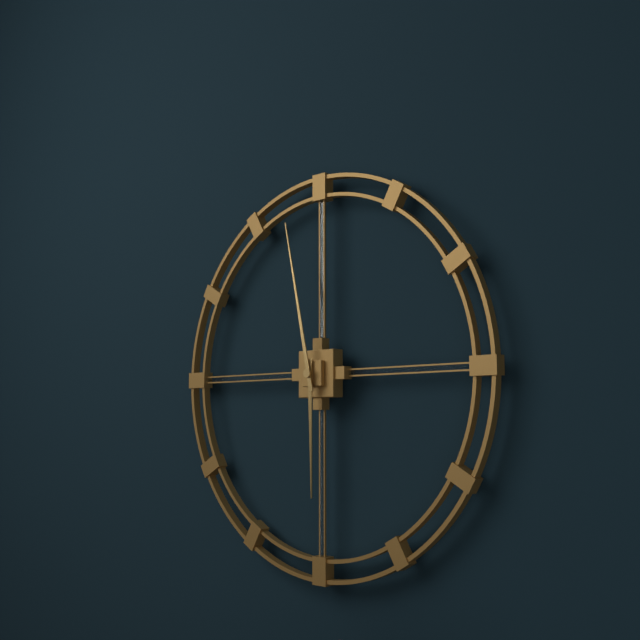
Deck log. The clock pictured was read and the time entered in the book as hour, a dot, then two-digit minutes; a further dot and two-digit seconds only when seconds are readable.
5.58
